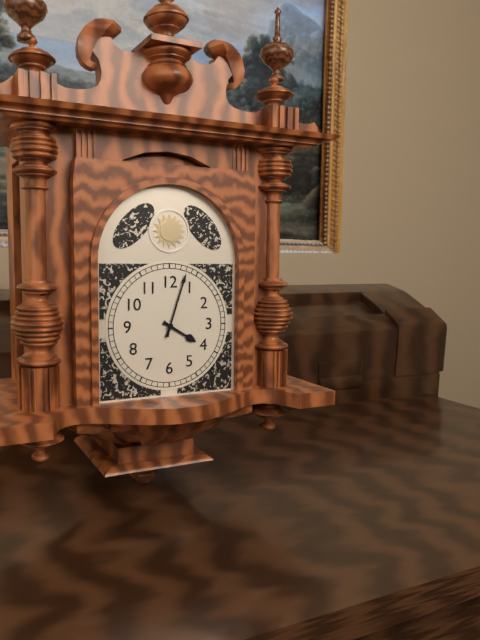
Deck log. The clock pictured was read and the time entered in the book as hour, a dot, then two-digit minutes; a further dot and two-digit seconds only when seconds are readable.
4.03
